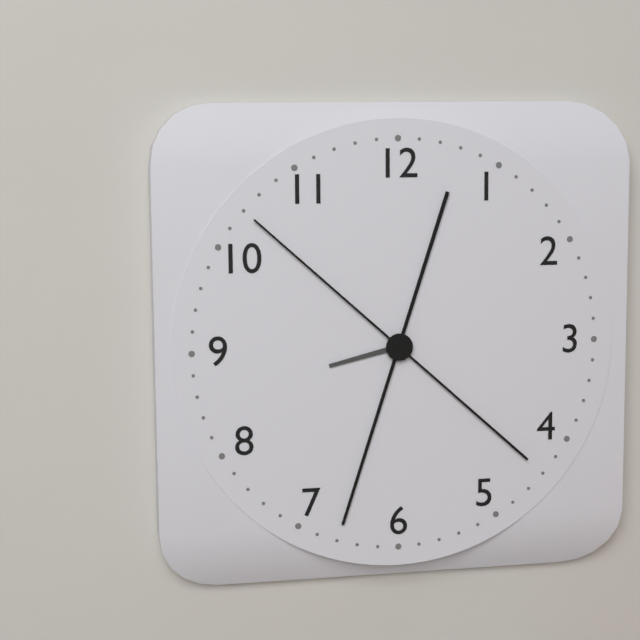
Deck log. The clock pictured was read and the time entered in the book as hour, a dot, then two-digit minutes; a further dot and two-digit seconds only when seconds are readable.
8.33.52
